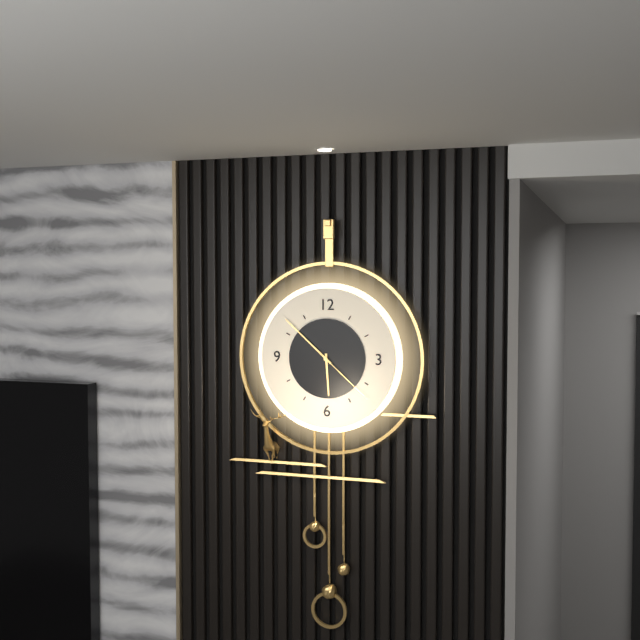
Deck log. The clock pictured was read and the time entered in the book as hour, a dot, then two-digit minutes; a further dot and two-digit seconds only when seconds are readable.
5.52.22
